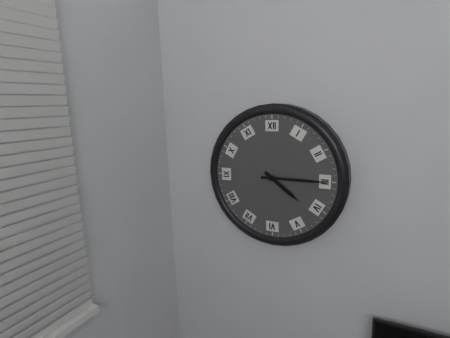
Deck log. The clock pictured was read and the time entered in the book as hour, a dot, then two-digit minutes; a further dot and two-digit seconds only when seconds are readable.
4.15
